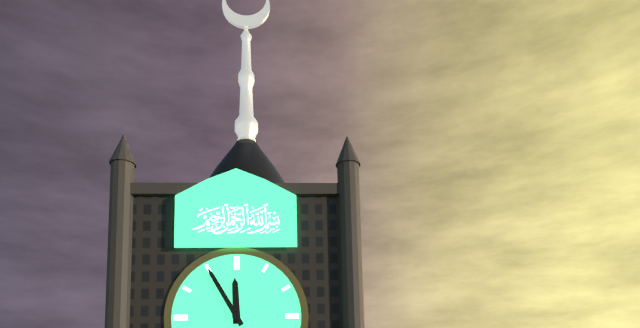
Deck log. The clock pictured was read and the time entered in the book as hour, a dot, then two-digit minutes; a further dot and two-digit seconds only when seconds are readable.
11.55
